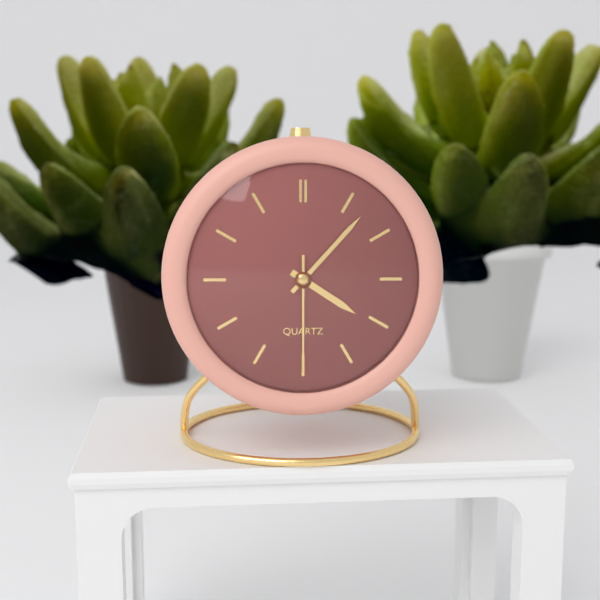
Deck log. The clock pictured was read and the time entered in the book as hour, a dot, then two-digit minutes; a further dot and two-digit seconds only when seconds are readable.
4.07.30
